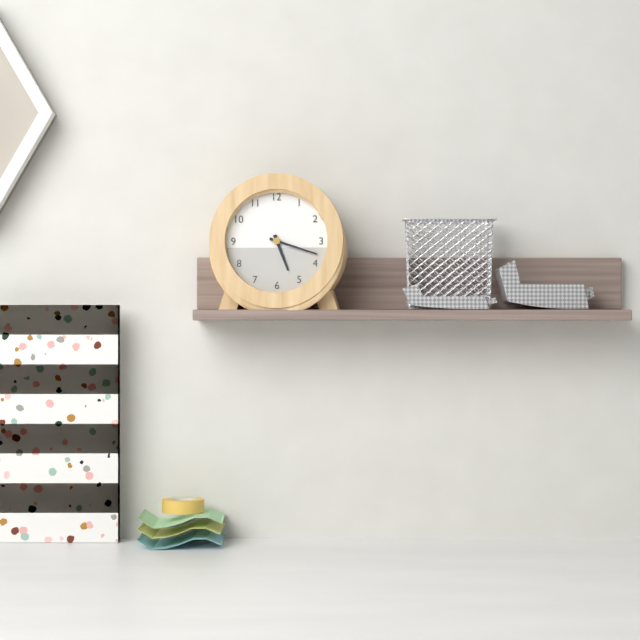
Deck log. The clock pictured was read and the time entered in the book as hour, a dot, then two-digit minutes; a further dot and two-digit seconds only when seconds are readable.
5.18
